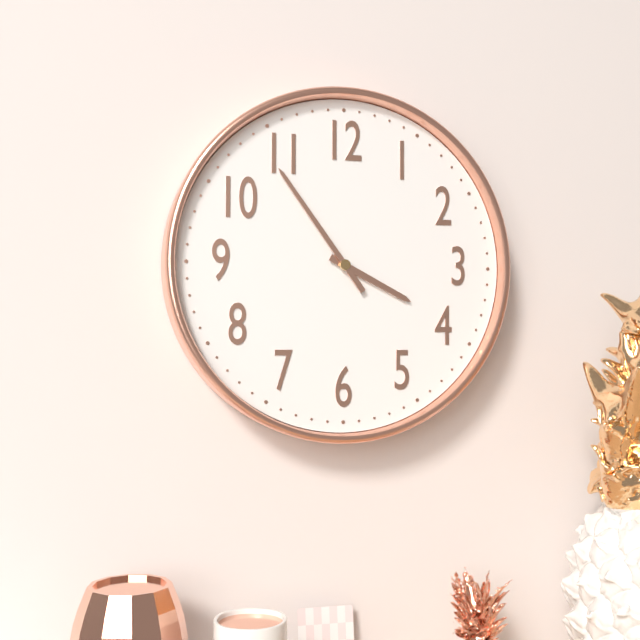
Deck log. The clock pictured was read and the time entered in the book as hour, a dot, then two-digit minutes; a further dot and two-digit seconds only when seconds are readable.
3.54
